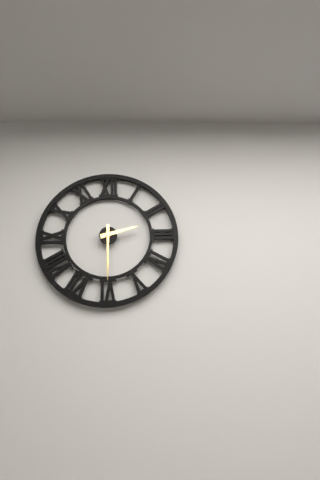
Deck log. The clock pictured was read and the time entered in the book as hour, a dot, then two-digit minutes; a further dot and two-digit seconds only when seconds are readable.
2.30
